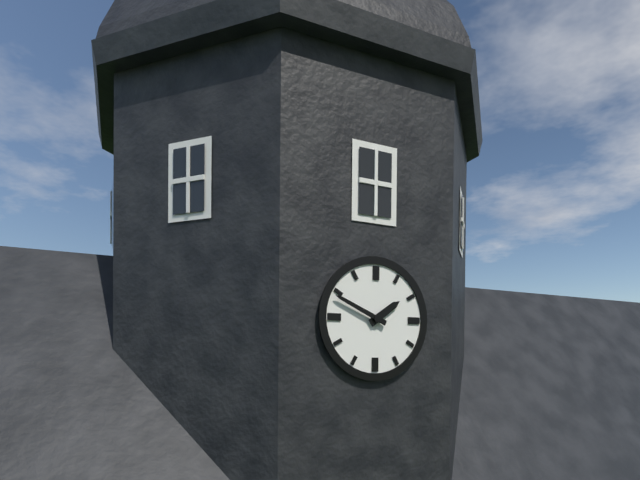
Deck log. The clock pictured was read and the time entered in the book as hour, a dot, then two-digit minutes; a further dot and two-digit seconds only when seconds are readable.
1.49
